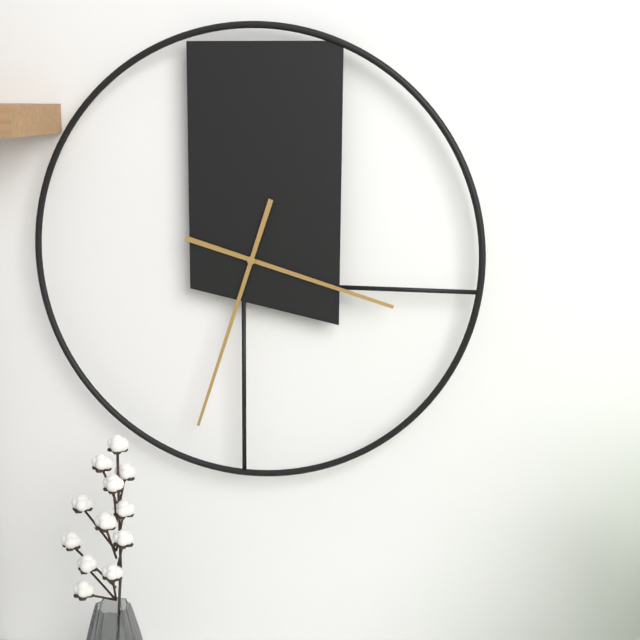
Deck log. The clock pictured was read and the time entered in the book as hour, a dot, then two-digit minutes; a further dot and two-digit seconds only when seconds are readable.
3.33
